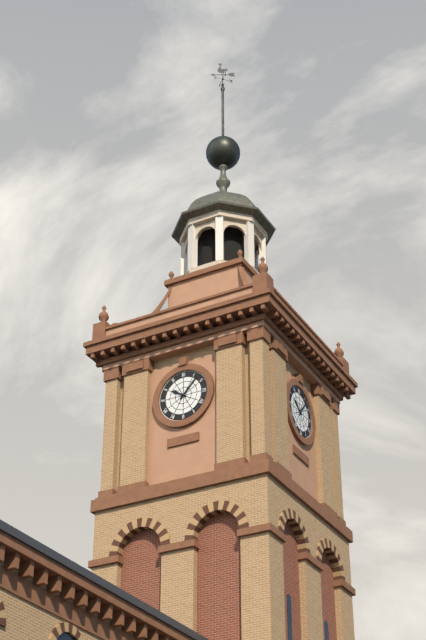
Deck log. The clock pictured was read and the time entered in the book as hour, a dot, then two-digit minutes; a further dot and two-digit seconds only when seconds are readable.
10.07
